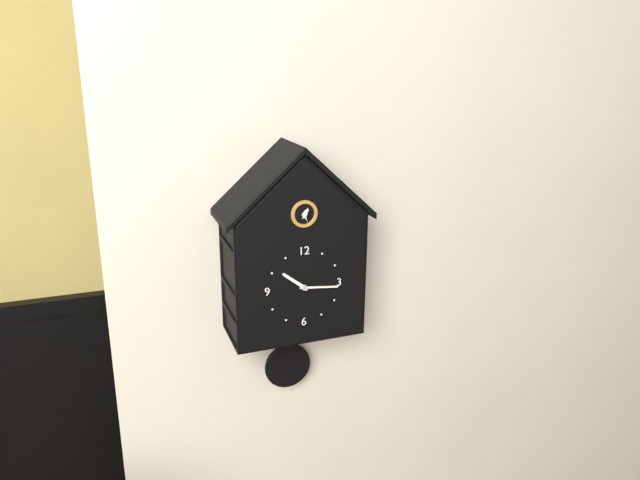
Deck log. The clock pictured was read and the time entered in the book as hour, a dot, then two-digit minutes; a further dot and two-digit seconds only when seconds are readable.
10.16
